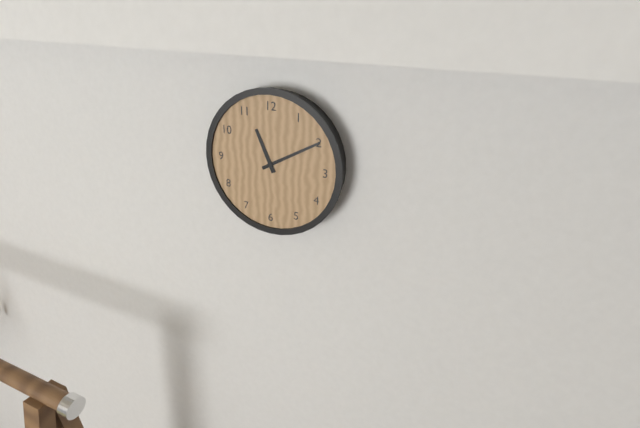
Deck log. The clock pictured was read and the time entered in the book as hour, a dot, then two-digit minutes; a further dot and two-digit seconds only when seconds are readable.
11.10
